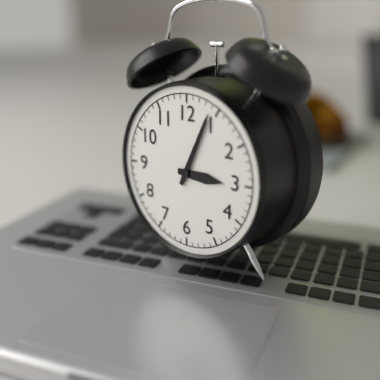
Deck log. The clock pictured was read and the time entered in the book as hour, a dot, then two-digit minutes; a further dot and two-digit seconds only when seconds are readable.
3.04
